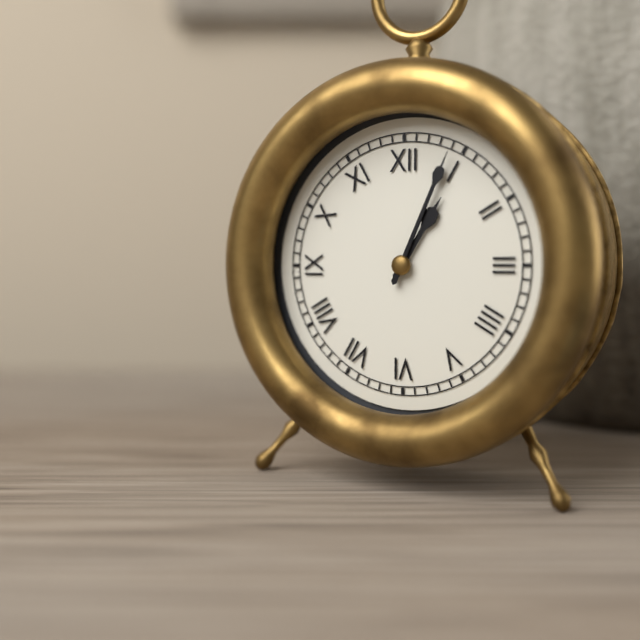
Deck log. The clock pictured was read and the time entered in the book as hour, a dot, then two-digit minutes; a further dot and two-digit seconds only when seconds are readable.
1.04
